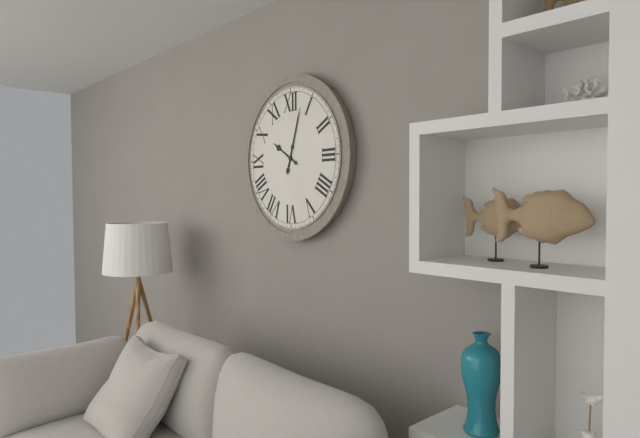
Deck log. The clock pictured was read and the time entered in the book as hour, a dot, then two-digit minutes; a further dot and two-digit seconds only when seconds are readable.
10.03
